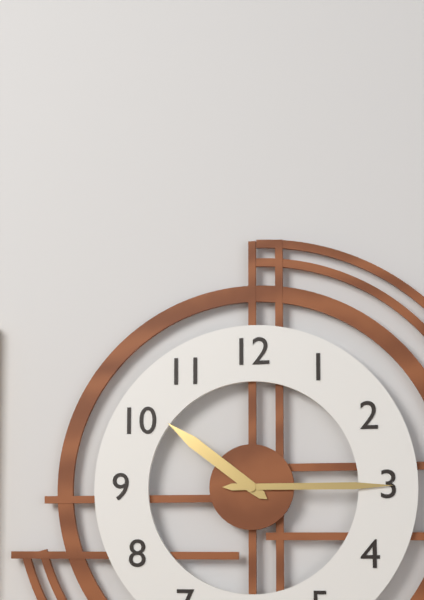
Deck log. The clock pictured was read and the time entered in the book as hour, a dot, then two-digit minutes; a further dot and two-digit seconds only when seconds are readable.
10.15
